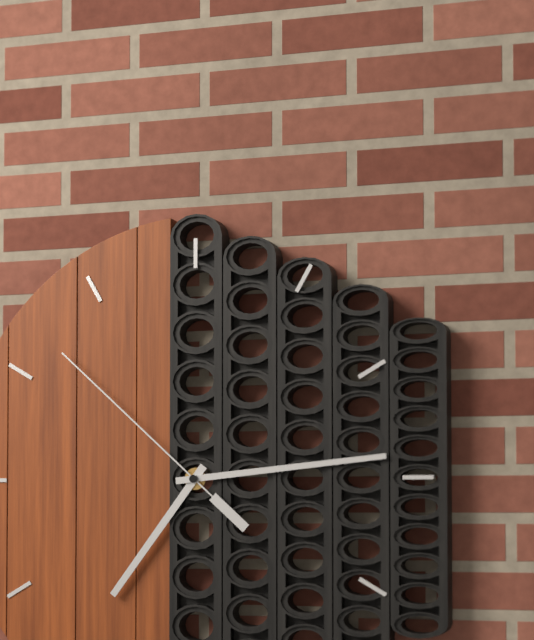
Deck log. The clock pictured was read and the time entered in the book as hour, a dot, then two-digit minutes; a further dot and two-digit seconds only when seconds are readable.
7.14.52
